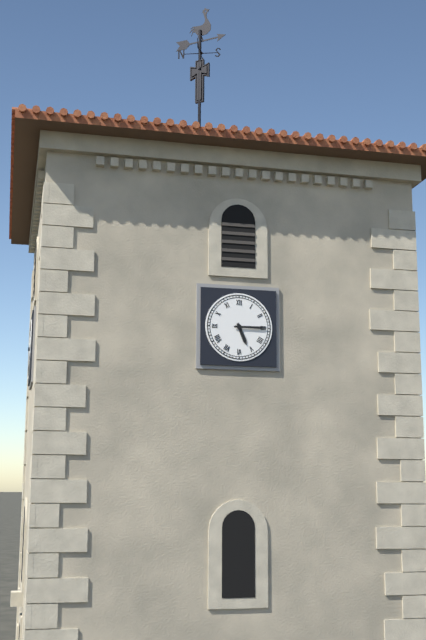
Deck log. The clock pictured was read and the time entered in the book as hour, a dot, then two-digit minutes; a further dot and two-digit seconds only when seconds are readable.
5.15
